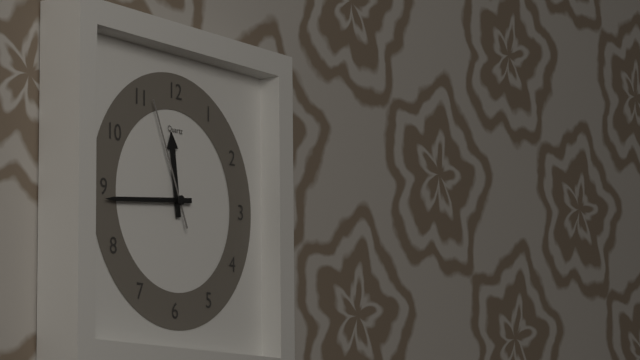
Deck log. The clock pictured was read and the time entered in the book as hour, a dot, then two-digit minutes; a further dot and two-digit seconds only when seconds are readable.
11.44.56
